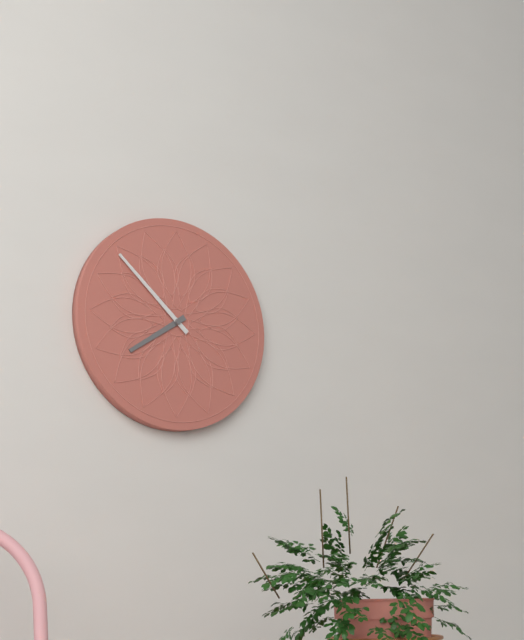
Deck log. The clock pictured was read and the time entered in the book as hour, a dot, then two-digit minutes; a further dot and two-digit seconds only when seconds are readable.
7.52
